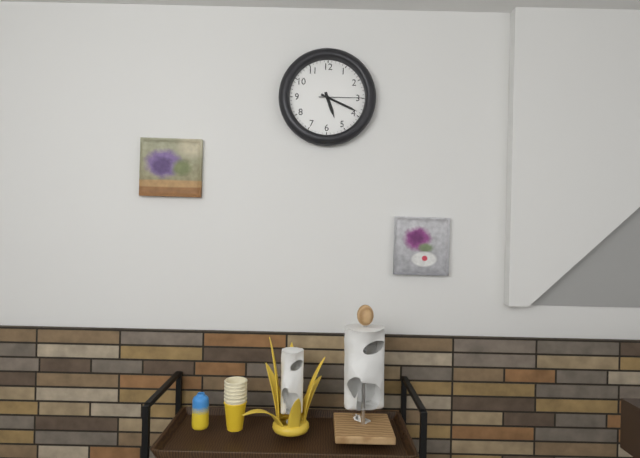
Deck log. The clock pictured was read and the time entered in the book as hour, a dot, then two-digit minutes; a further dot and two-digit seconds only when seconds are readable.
5.19
